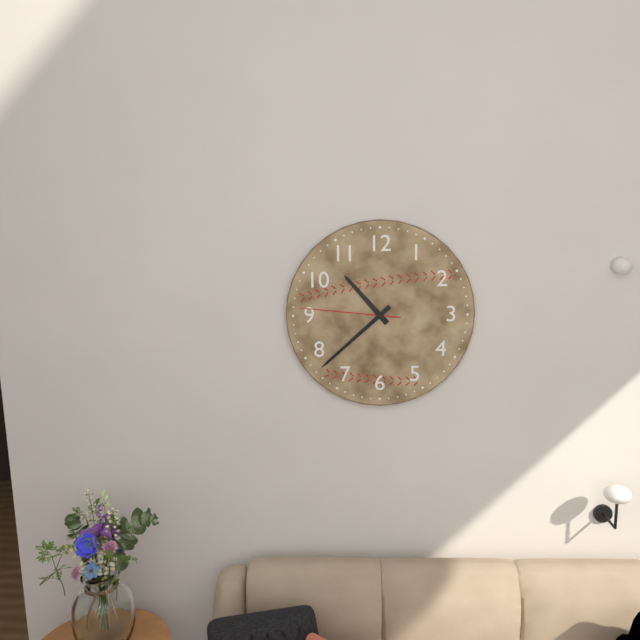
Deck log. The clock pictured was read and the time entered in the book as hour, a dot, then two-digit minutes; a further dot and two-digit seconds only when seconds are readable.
10.38.46
